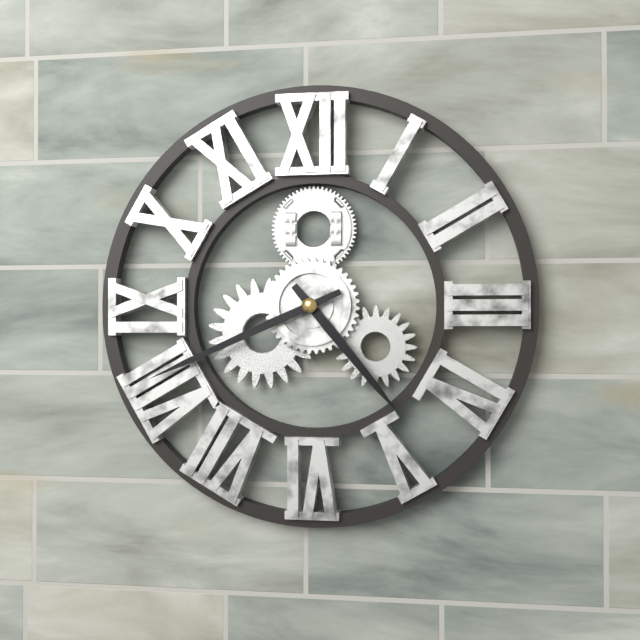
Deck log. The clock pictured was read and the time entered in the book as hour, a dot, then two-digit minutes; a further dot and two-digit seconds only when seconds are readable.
4.41
